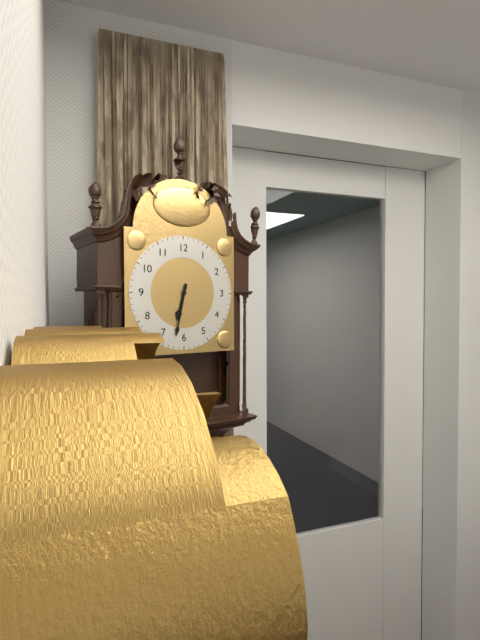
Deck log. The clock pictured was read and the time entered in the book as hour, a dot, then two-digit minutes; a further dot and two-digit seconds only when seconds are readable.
6.32
